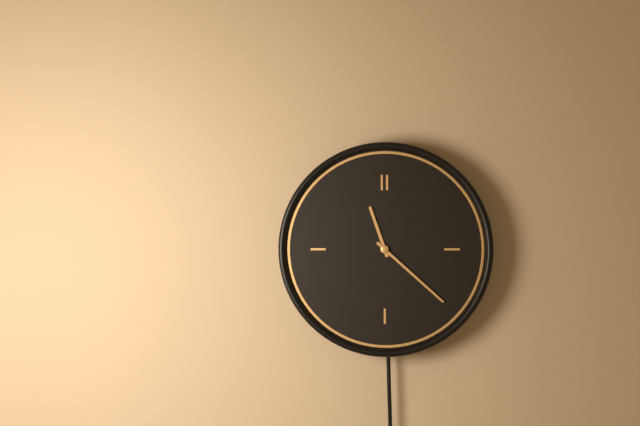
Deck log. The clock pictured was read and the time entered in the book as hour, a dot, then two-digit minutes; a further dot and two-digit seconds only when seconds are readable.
11.22
